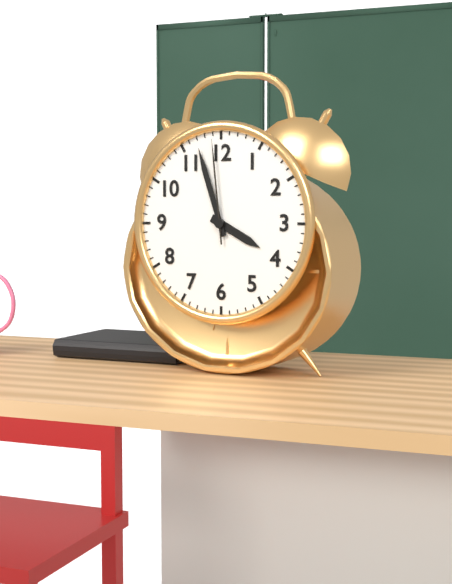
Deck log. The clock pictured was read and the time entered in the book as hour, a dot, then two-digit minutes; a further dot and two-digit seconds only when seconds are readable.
3.57.59
